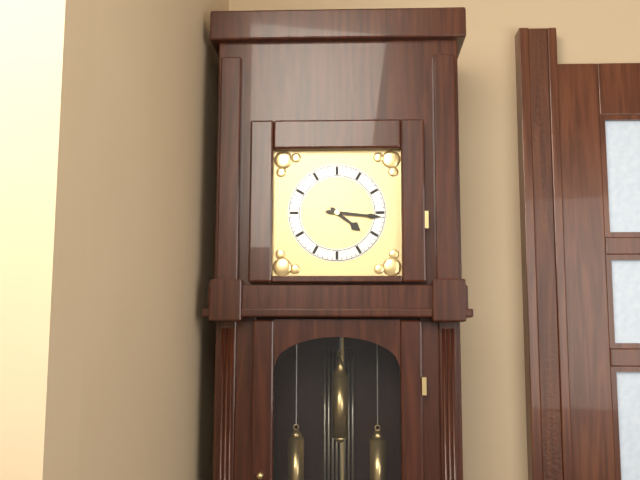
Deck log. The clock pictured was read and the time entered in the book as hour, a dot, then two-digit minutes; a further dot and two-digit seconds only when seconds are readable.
4.16
